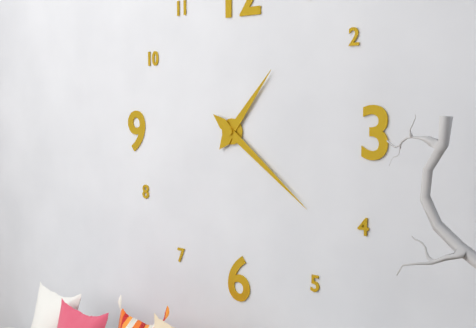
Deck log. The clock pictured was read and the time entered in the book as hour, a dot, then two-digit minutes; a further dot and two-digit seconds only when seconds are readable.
1.21
